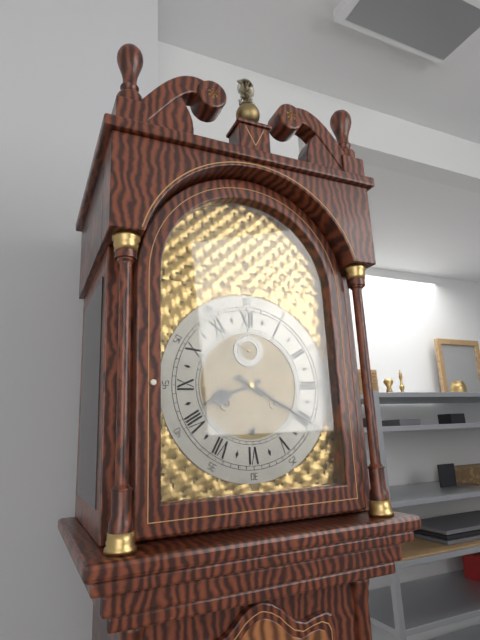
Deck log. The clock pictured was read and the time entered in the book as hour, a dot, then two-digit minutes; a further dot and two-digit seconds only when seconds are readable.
8.20
